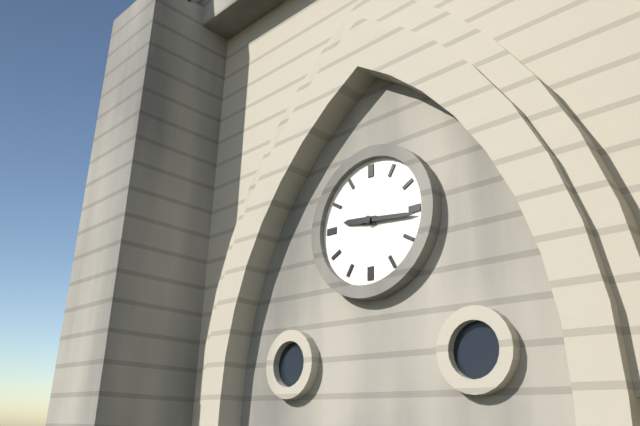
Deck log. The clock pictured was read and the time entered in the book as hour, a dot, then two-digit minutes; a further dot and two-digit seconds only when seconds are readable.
9.16
